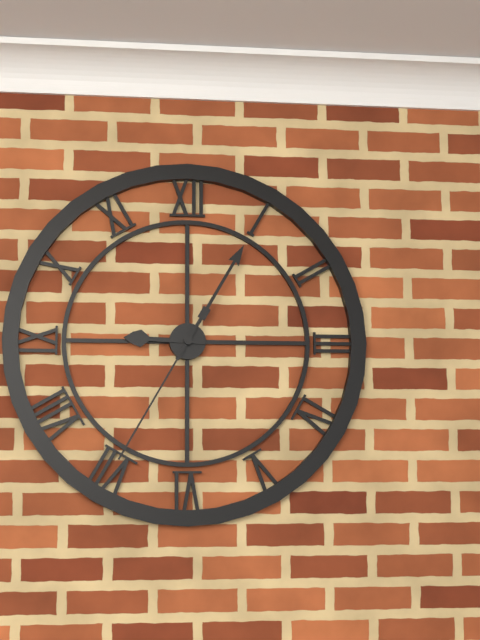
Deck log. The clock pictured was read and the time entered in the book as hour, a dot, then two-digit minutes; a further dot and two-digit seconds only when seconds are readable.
9.05.35
